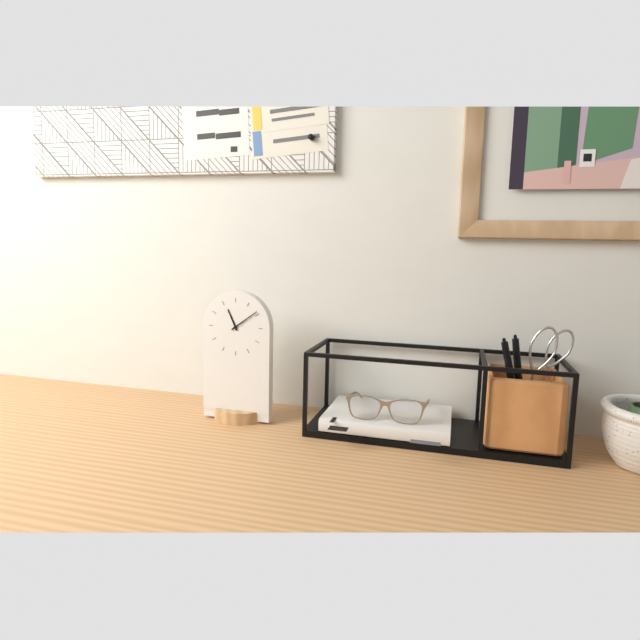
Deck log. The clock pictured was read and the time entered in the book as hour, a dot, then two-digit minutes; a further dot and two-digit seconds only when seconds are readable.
11.09
